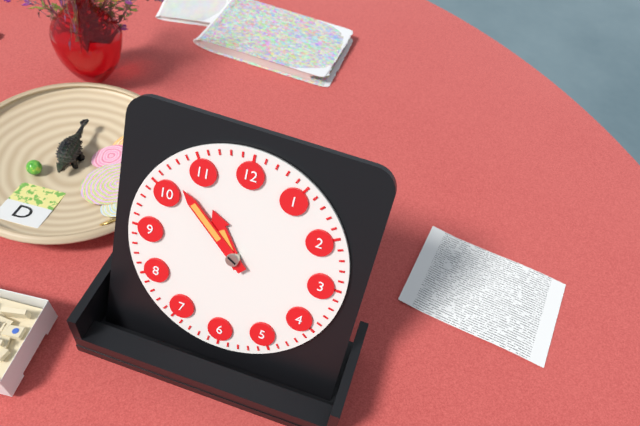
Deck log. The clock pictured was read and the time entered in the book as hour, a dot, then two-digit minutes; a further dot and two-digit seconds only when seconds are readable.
10.52
